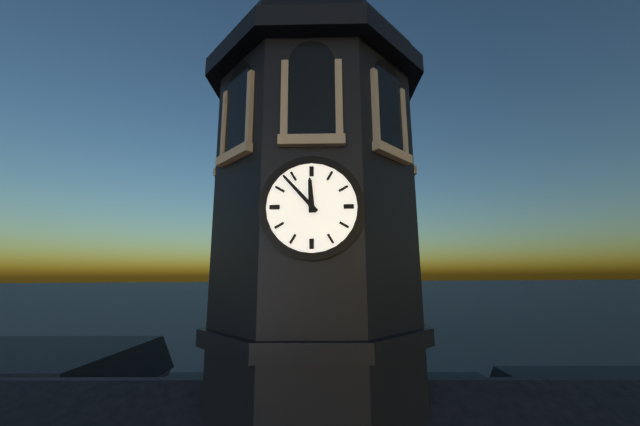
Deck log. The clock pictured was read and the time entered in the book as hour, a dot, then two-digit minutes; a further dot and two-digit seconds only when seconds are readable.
11.53
